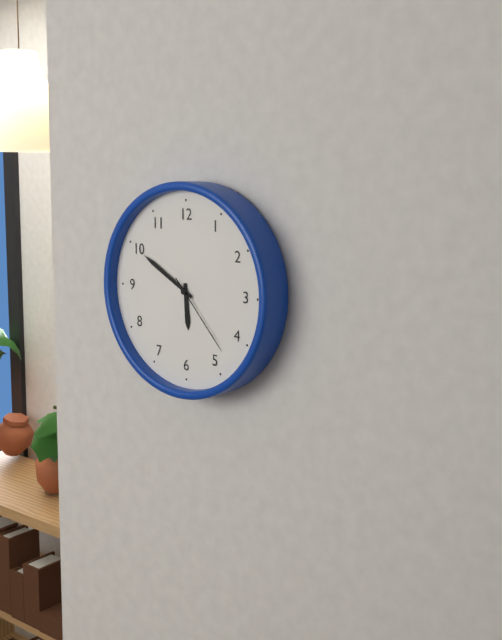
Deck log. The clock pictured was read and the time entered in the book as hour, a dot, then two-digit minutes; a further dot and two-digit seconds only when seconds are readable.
5.50.23
